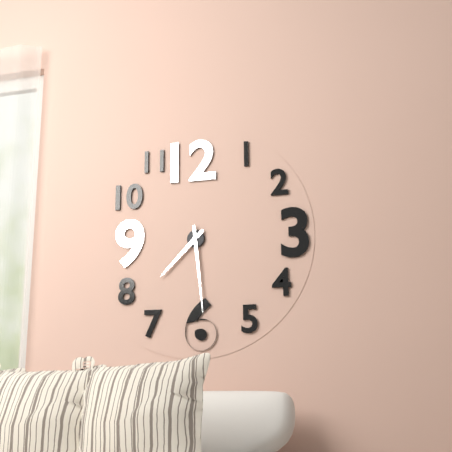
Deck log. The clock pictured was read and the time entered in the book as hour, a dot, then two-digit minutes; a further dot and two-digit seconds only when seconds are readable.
7.29
